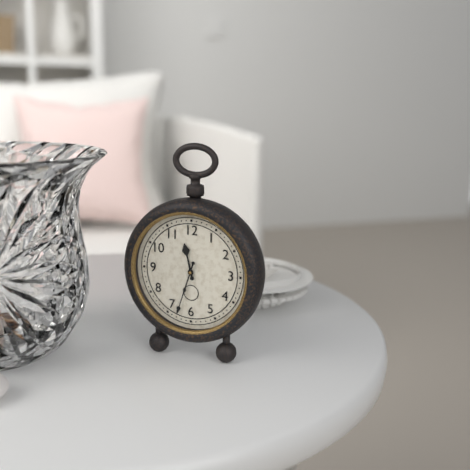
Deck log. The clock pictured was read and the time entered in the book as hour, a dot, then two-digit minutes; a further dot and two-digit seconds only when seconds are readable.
11.33
